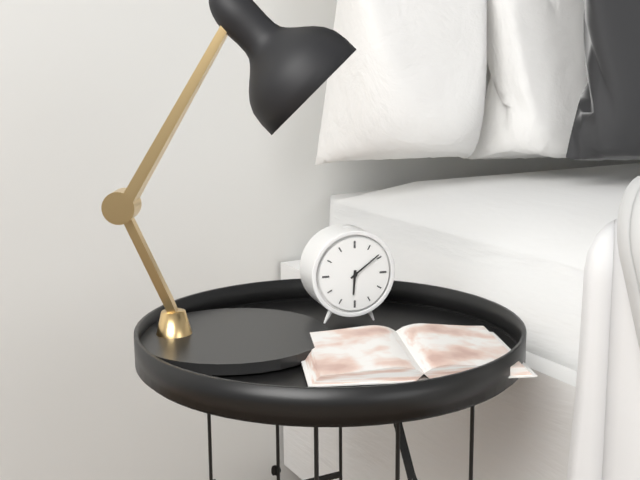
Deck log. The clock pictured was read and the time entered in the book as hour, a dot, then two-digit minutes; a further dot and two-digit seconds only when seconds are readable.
6.09
